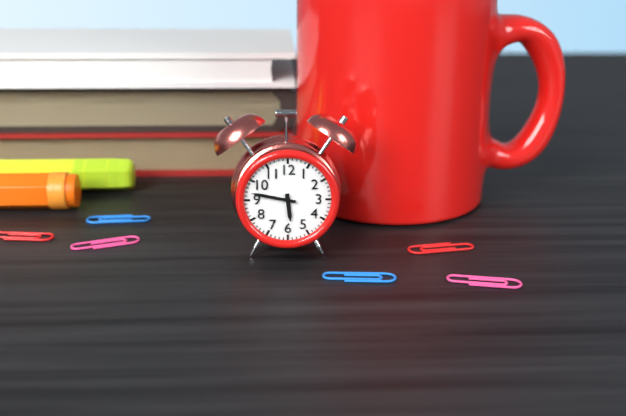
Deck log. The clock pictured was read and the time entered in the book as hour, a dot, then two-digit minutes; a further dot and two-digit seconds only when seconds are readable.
5.47
